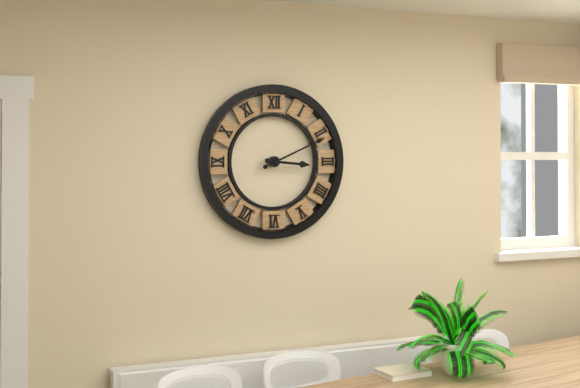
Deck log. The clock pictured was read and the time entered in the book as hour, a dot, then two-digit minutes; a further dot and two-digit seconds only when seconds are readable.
3.11
